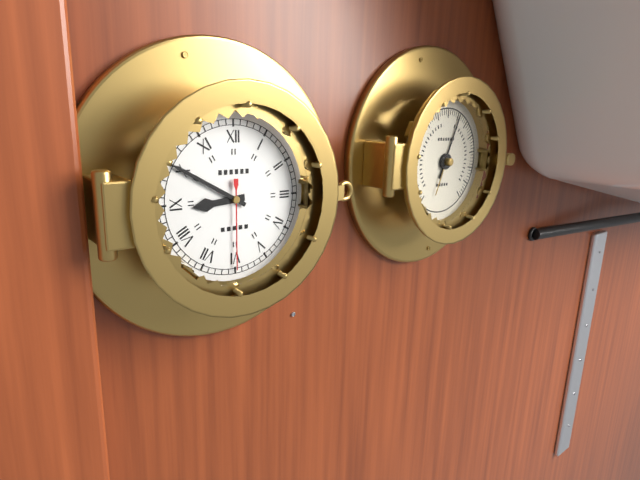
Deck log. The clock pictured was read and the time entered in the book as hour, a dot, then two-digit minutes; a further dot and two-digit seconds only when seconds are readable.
8.50.30
